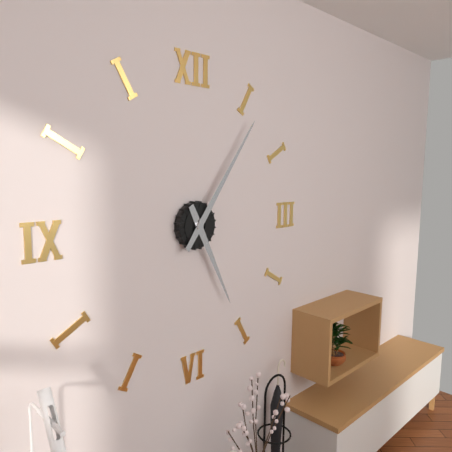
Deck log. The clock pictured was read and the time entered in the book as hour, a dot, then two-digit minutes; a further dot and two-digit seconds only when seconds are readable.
5.06
